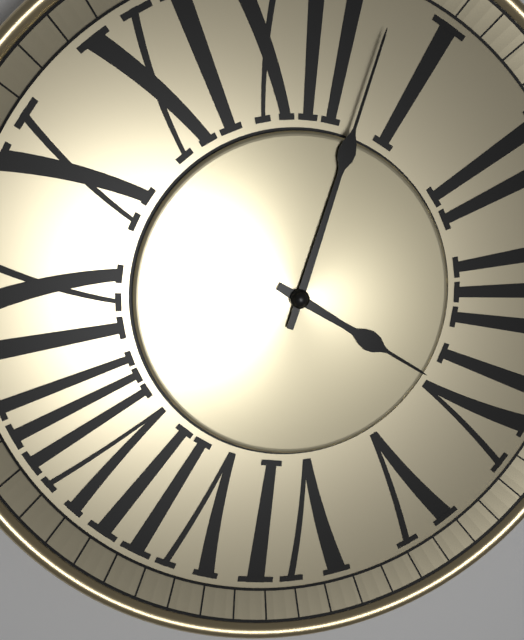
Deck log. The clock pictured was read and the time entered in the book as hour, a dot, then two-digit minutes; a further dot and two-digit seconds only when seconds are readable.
4.03
